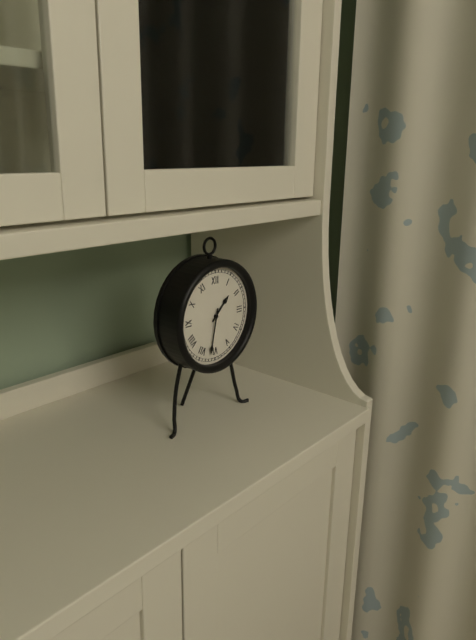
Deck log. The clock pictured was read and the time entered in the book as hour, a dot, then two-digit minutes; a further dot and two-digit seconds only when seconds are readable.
1.32
